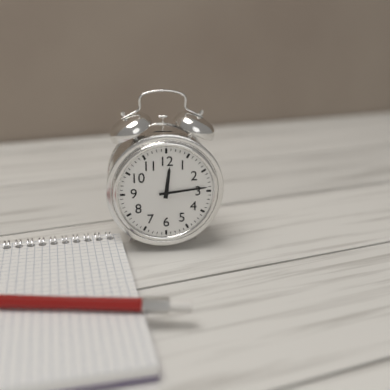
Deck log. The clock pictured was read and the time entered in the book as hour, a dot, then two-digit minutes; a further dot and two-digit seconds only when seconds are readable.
12.14
